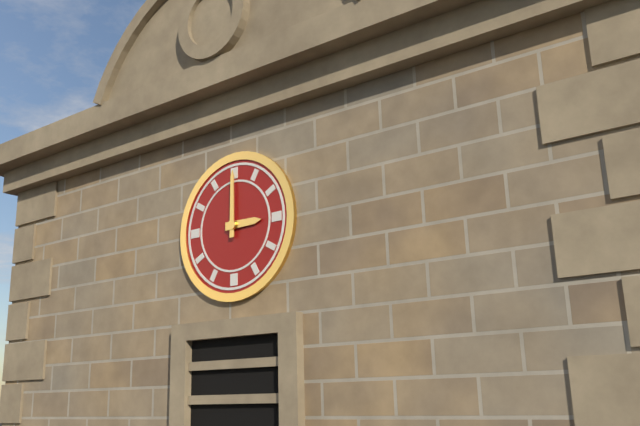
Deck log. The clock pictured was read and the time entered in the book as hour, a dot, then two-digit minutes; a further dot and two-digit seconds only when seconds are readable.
3.00
